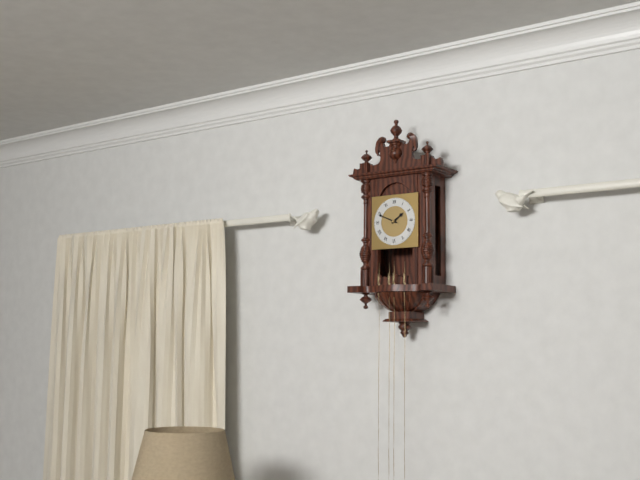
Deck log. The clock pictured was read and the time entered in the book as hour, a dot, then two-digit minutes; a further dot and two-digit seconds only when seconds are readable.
1.49
